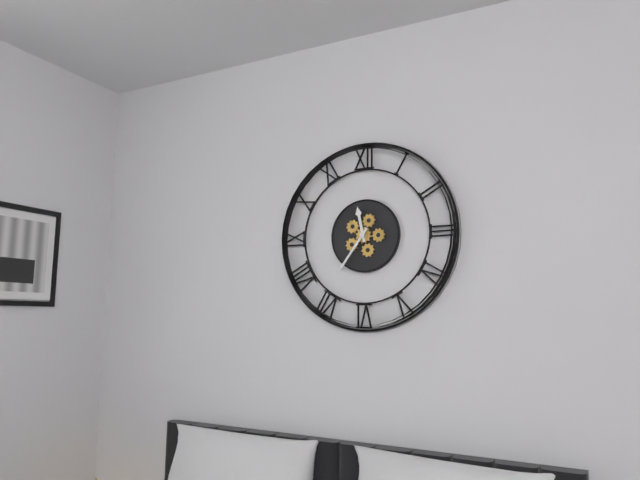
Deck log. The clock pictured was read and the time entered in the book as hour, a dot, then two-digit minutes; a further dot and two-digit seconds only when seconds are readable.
11.36
